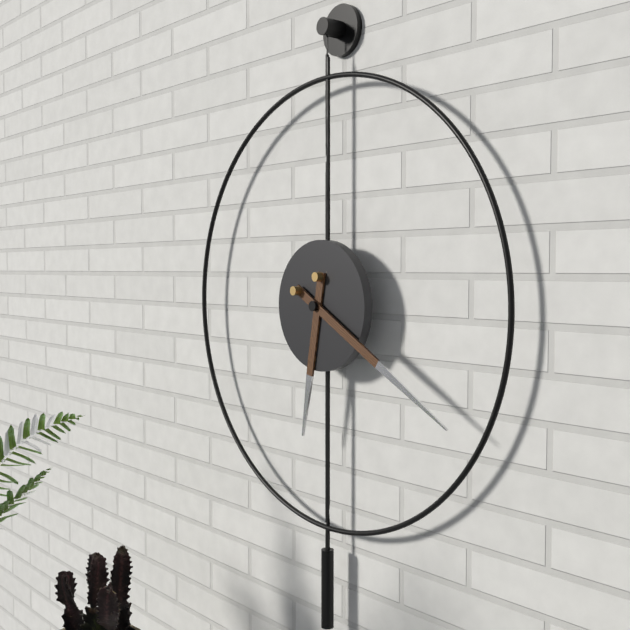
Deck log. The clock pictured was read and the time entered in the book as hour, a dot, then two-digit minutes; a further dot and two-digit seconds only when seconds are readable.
6.20
